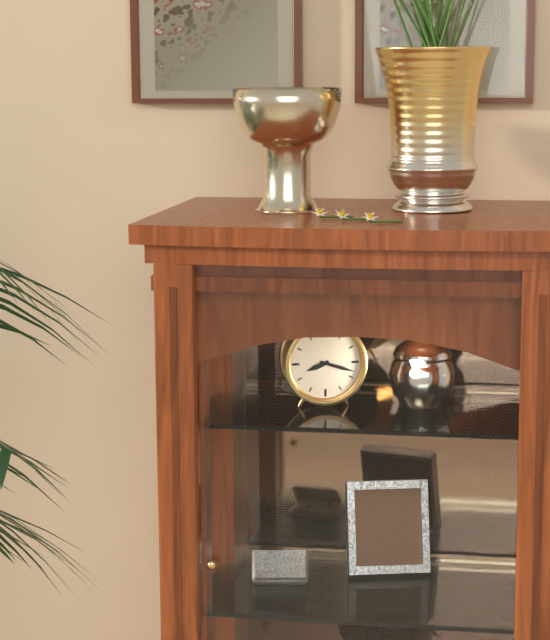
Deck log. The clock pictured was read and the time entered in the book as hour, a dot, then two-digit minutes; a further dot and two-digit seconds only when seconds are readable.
8.18
